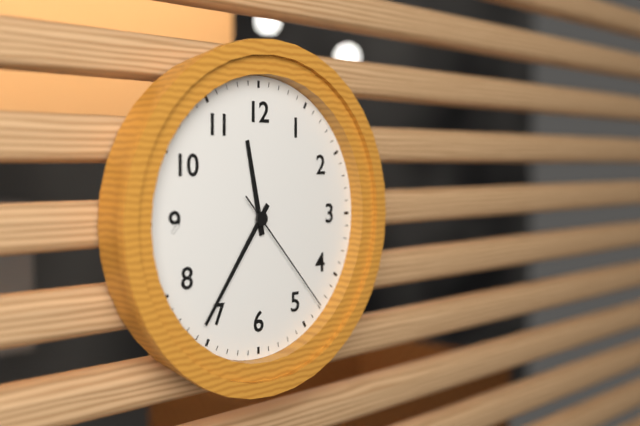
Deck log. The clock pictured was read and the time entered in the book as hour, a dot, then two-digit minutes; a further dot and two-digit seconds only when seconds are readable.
11.36.23
